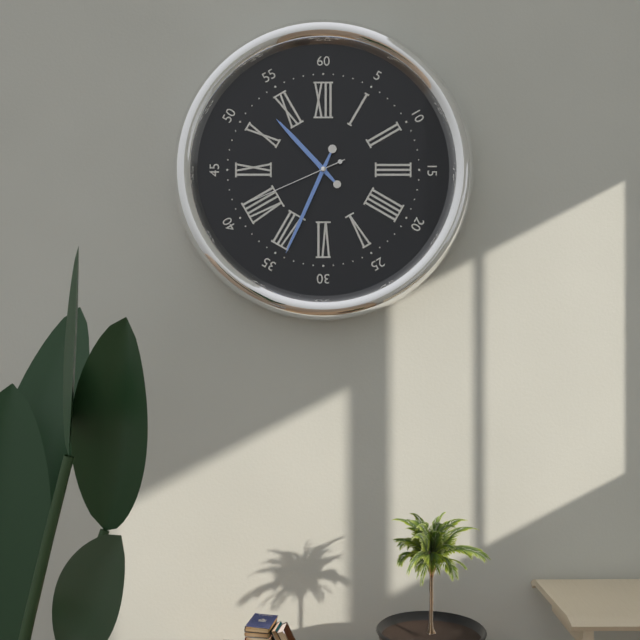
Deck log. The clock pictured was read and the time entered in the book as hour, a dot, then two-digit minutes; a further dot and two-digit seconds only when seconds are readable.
10.34.41
